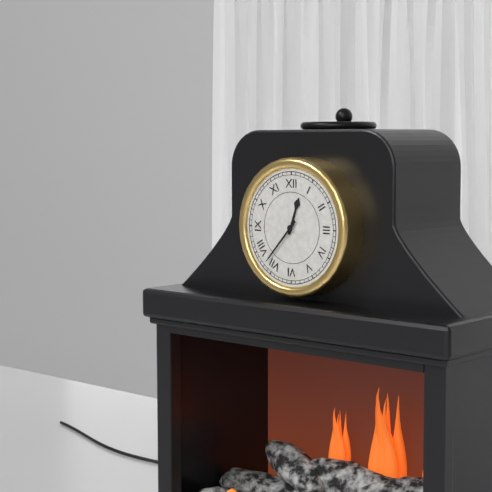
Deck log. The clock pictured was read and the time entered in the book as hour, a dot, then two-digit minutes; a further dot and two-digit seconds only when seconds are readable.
12.37
